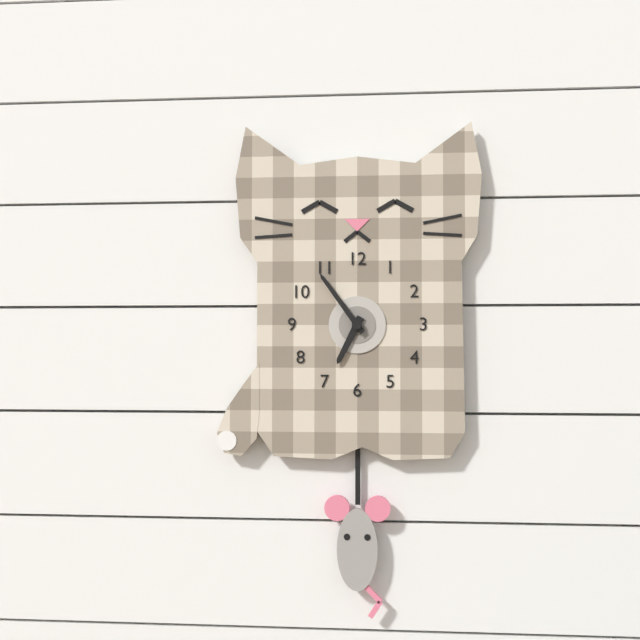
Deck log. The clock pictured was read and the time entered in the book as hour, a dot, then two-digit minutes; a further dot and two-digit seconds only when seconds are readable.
6.54
